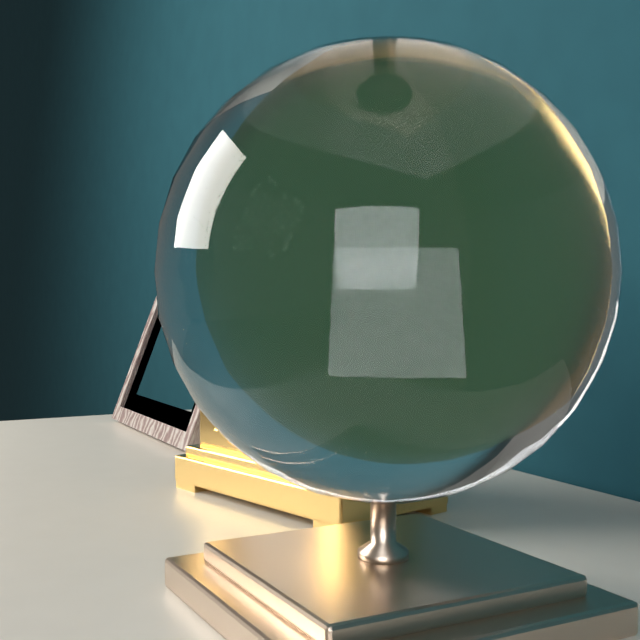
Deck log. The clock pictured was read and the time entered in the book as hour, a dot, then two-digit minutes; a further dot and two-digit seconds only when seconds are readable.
12.46
